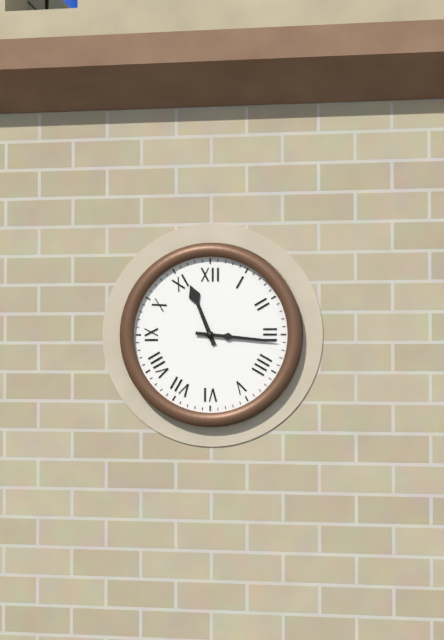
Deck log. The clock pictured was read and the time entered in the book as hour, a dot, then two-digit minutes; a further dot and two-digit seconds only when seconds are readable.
11.16
